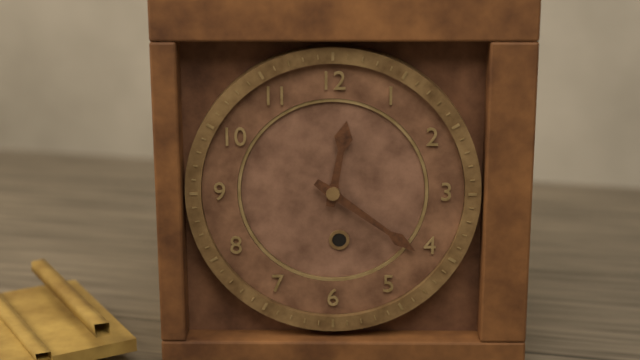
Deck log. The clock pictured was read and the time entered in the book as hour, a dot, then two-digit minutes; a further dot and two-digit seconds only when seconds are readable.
12.21
